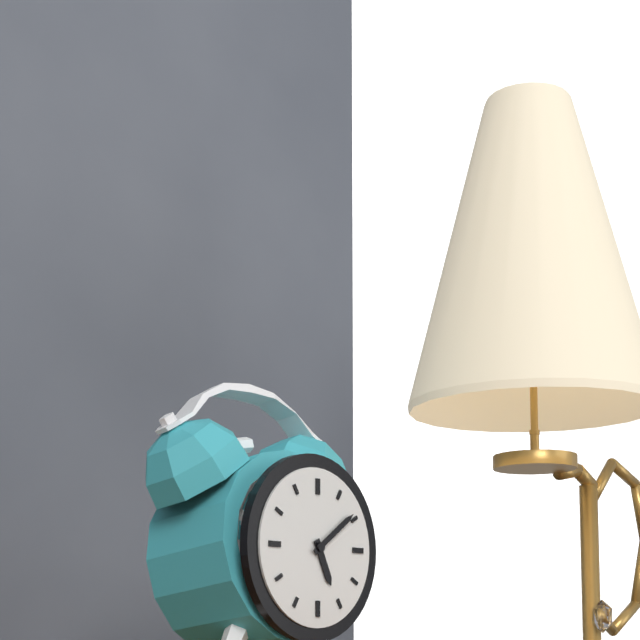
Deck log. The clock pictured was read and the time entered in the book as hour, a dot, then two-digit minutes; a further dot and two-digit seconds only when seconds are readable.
5.09
